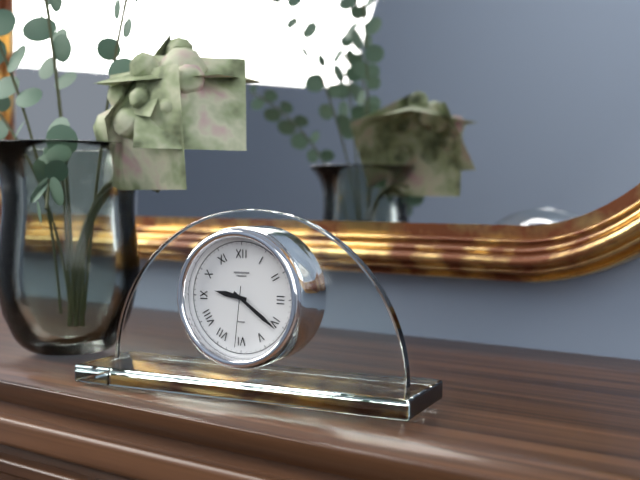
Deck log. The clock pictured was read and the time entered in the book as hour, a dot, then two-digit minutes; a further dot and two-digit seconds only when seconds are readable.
9.21.31
